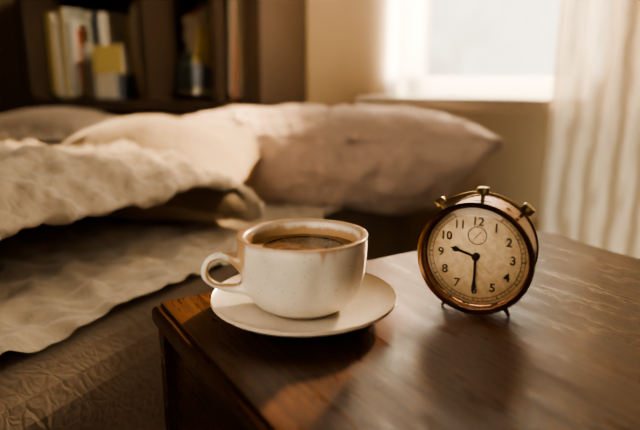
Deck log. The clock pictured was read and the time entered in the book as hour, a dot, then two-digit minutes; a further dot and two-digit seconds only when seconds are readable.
9.30.22
